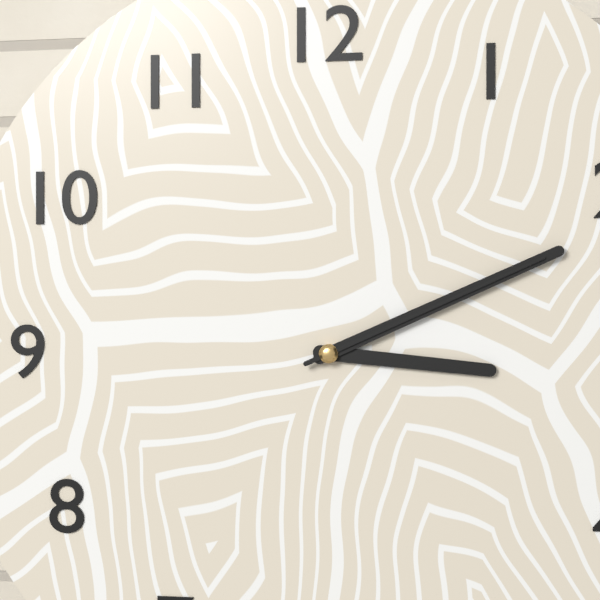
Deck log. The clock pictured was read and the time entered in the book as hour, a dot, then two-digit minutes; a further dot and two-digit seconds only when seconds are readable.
3.11.11
